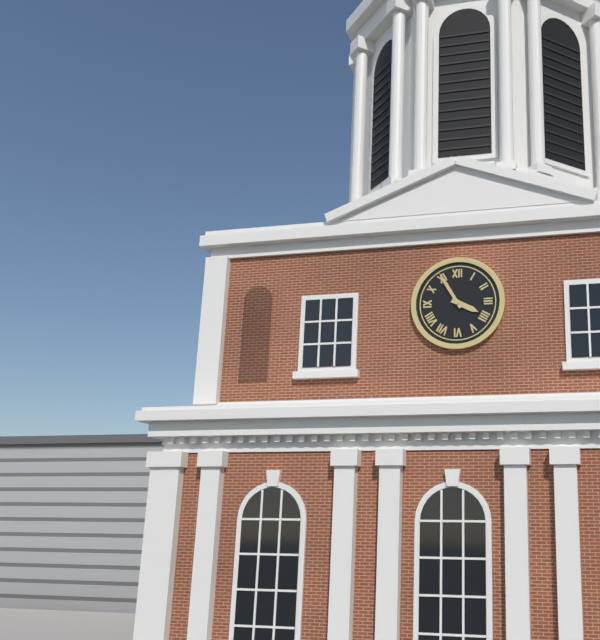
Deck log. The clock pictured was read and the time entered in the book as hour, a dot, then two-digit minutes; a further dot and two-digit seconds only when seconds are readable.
3.55
